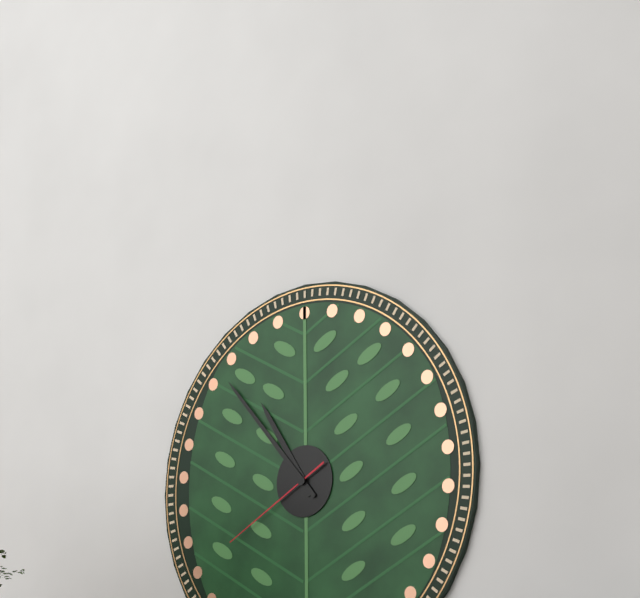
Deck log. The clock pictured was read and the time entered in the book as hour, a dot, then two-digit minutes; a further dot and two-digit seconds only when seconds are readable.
10.53.40
